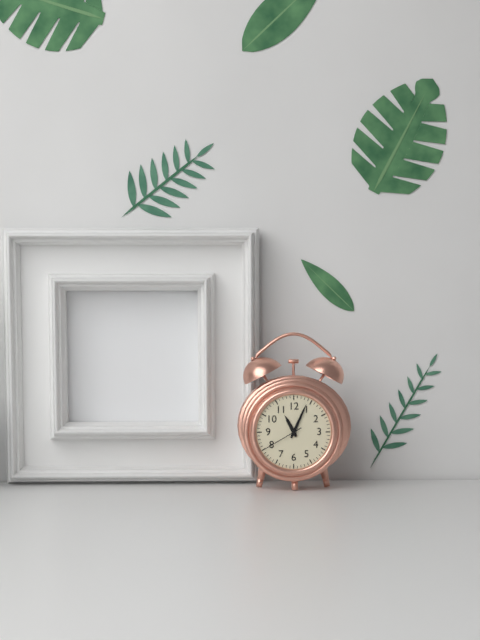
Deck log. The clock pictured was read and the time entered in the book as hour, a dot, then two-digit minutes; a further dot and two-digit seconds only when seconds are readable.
11.04
